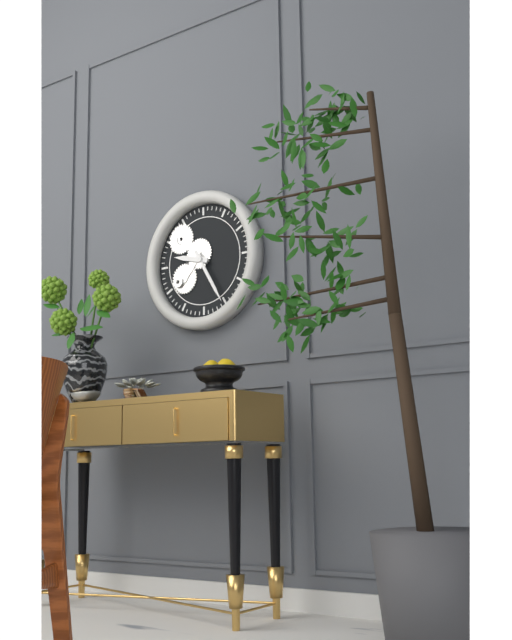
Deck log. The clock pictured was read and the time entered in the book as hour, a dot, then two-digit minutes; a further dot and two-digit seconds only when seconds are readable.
9.25
